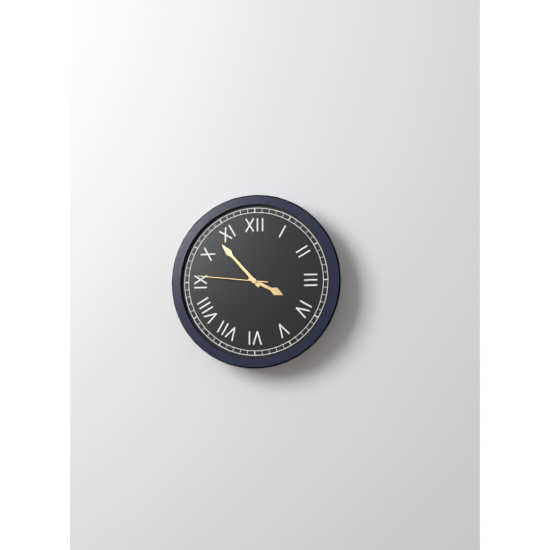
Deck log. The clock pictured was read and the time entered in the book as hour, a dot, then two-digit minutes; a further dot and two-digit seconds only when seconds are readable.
3.53.46
